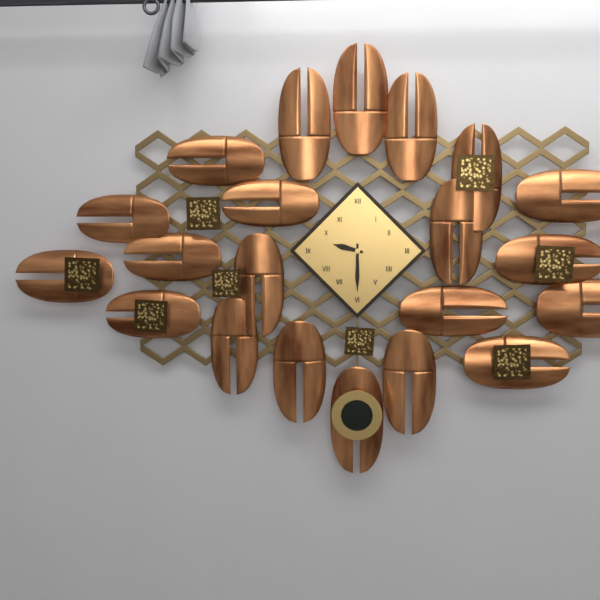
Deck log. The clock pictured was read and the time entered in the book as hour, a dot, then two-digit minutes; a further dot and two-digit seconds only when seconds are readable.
9.30
